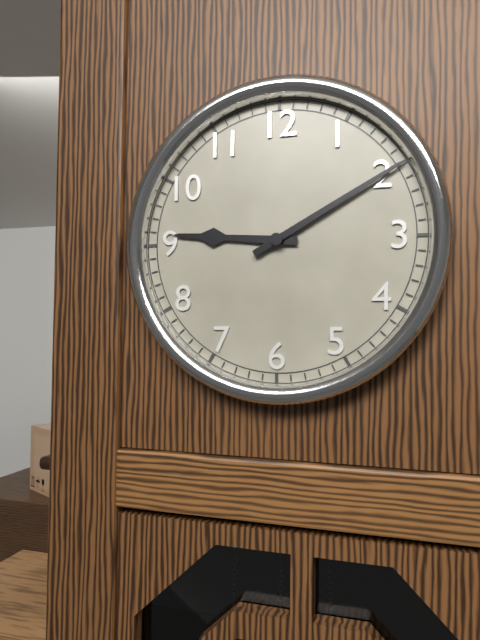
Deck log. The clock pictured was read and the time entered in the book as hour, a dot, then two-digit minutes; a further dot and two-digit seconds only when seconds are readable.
9.10
